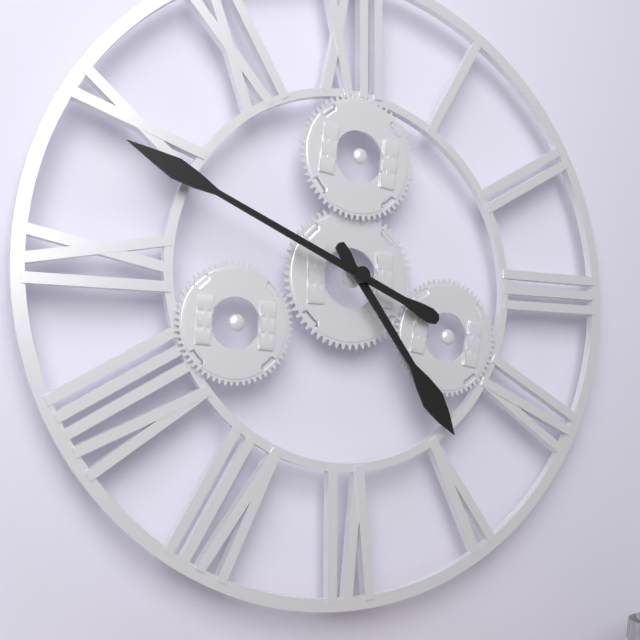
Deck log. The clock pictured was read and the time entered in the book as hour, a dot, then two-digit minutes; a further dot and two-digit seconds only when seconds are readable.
4.49
